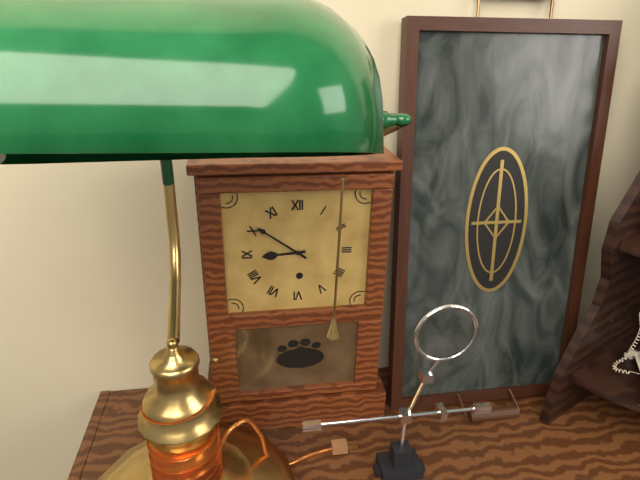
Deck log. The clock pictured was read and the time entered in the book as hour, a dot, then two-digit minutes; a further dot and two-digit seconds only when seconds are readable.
8.51
